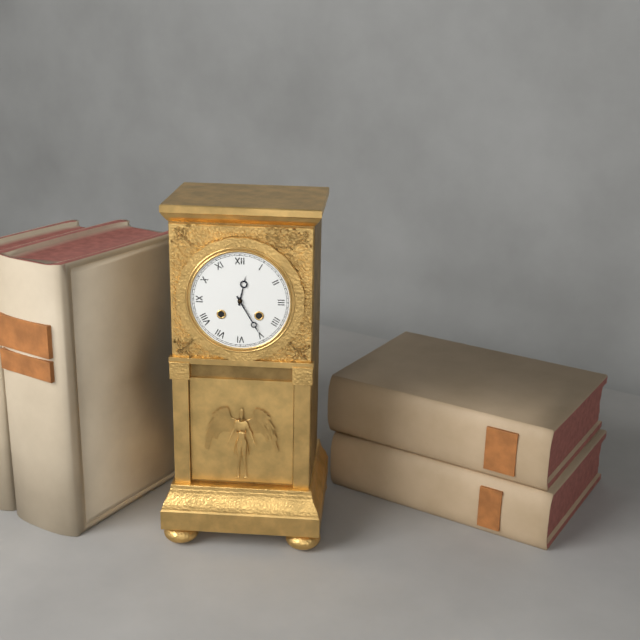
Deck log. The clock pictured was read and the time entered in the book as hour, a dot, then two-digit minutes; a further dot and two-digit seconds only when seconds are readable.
12.25
